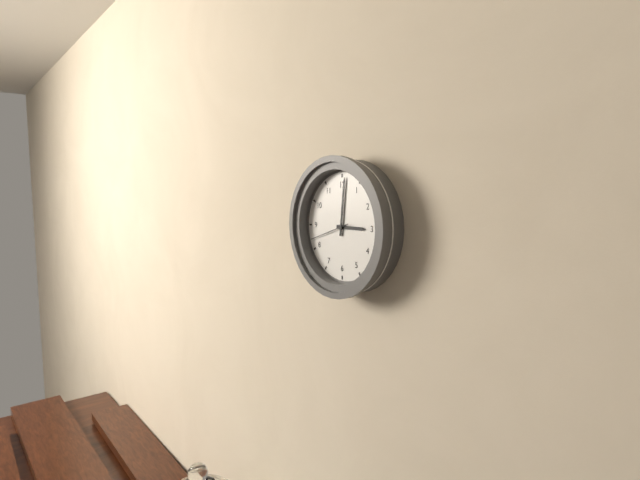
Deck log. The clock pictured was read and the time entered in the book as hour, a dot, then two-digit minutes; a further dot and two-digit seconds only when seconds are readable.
3.01.42
